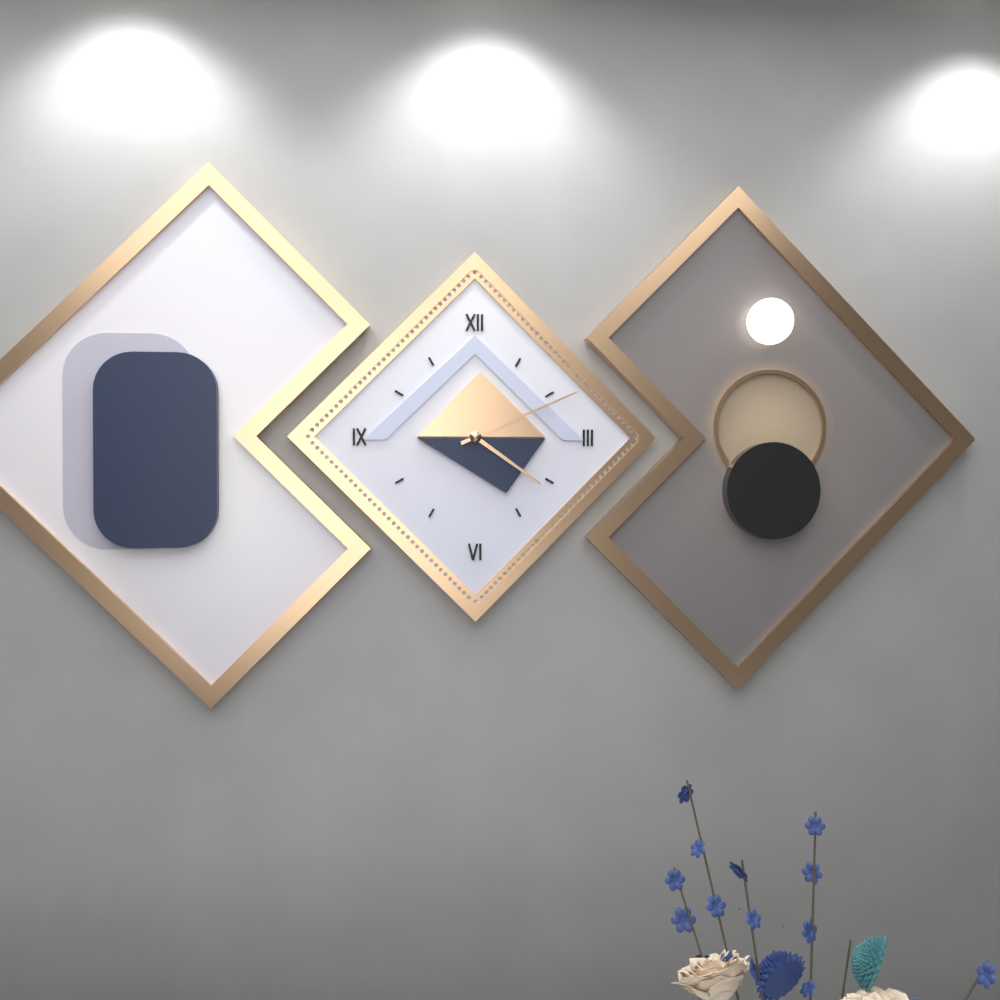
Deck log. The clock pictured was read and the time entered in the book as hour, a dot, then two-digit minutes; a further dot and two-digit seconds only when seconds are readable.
4.11
